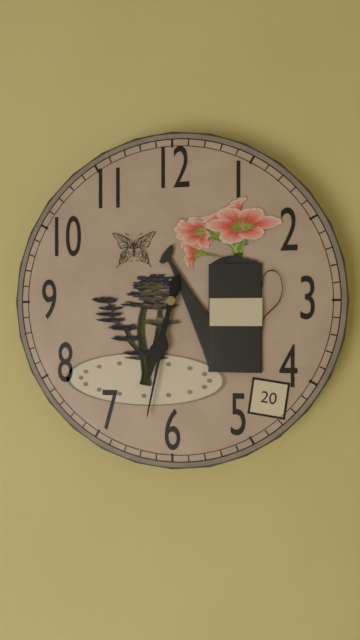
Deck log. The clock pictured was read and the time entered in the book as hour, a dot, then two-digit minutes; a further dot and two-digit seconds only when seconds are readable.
6.32
